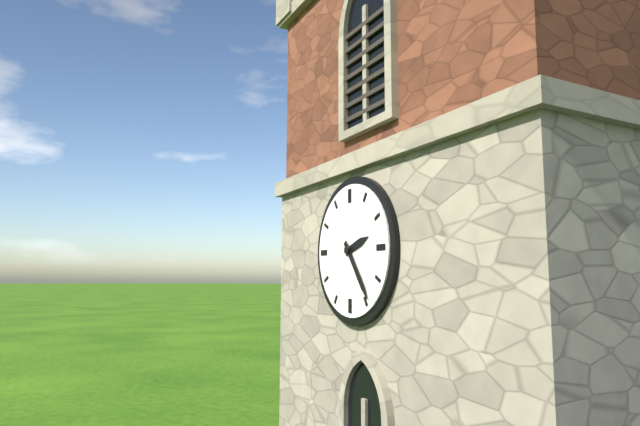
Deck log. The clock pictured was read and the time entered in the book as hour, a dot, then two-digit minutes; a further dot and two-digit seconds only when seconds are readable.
2.24
